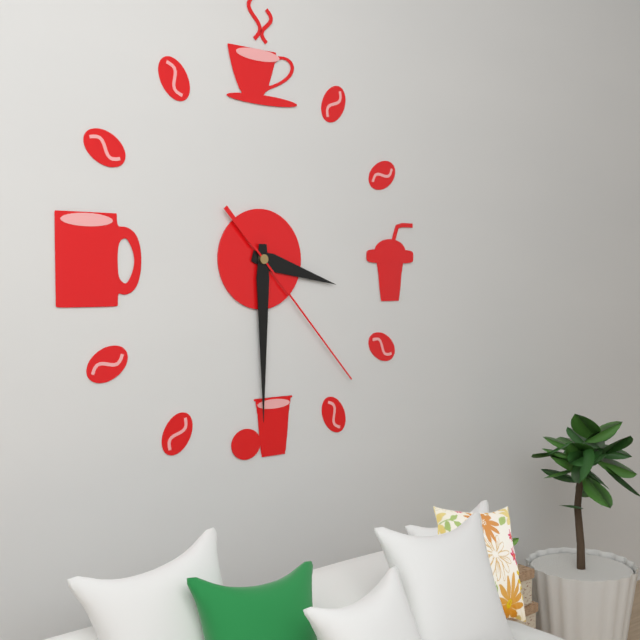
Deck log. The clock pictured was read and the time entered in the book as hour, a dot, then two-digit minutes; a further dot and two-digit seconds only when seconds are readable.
3.30.23
